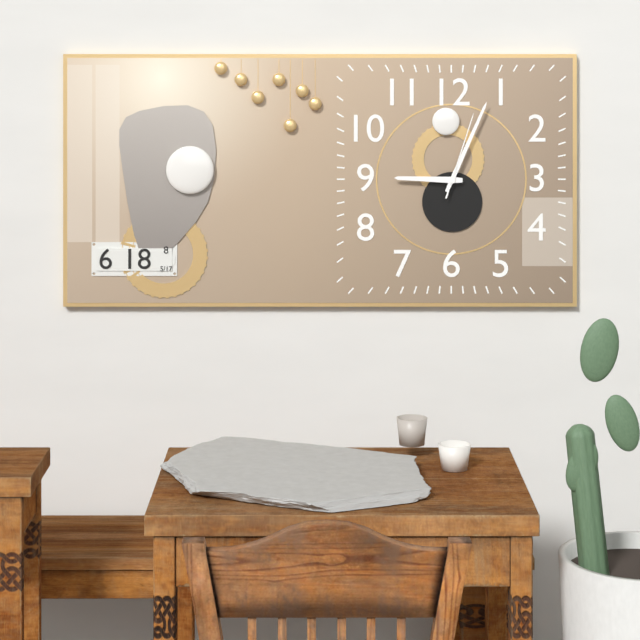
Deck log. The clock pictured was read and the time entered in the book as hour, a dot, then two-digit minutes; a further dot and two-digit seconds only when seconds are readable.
9.04.03
